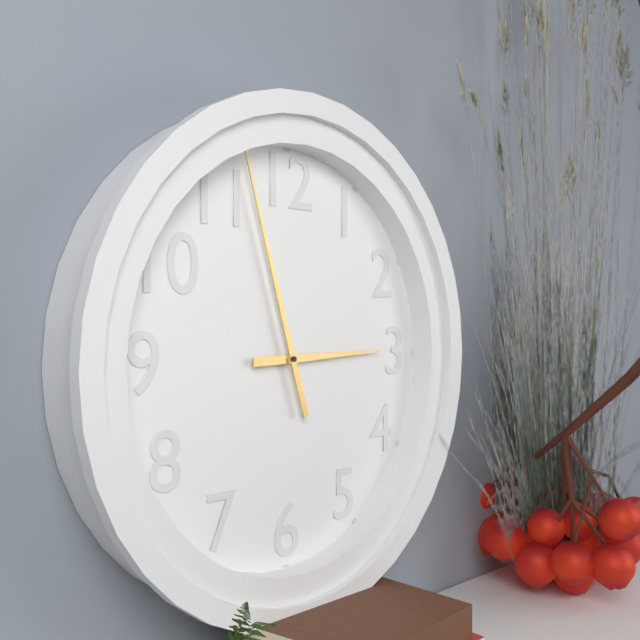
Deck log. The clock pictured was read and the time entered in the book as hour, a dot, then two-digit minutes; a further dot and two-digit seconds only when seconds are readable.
2.57
